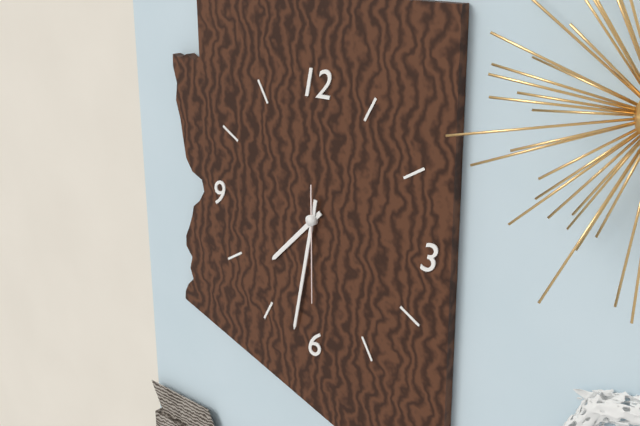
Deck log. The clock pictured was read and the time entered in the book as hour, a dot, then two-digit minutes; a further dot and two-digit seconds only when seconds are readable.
7.32.30
